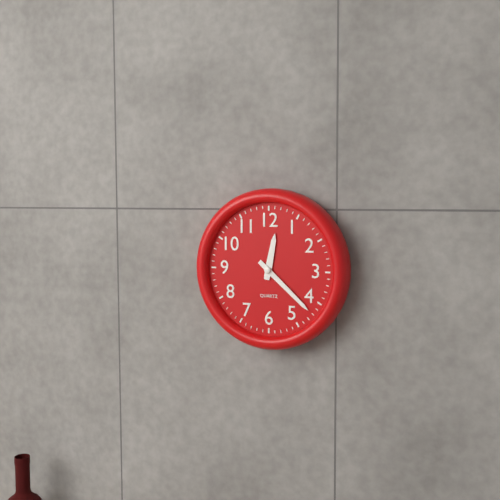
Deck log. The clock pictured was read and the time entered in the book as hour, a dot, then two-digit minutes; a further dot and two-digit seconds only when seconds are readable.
12.22
